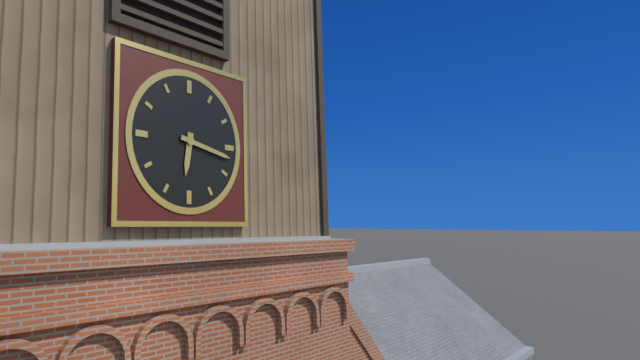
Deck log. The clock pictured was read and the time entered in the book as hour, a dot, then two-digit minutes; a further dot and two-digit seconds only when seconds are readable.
6.17
